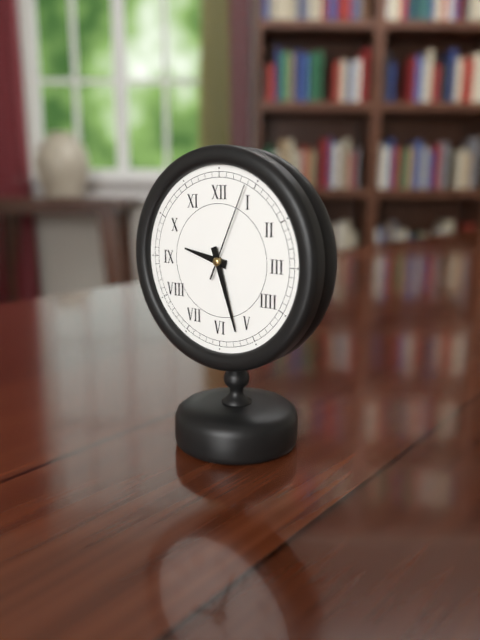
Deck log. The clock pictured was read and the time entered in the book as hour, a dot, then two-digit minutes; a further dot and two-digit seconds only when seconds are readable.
9.27.04
